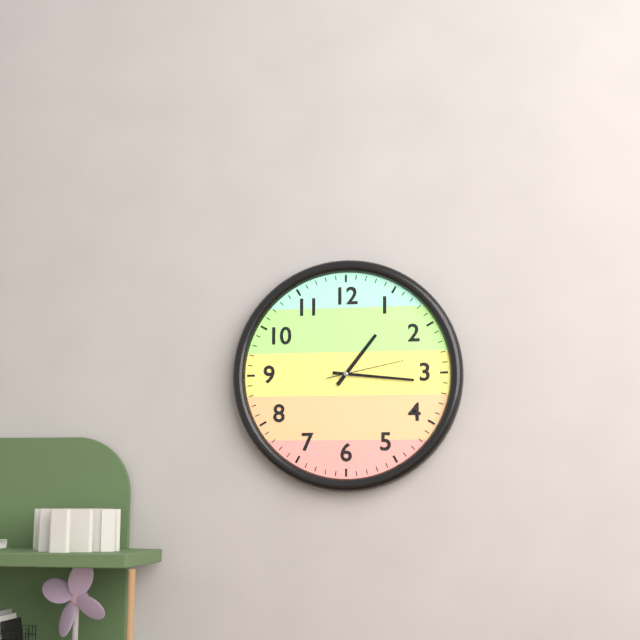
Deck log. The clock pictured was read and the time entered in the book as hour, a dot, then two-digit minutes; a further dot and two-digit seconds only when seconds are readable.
1.16.13
